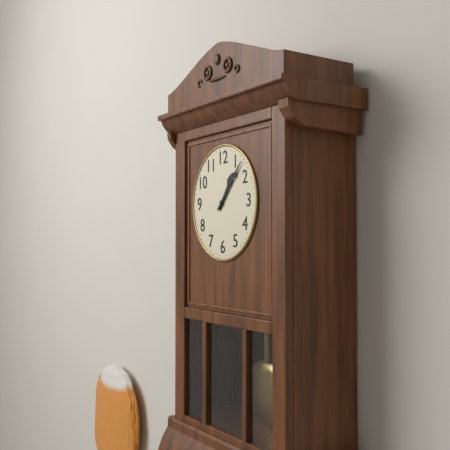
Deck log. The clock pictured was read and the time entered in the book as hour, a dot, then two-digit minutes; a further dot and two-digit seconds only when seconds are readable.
1.07
